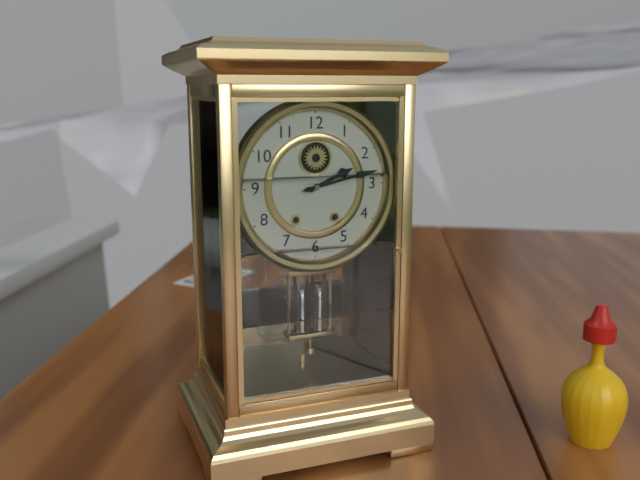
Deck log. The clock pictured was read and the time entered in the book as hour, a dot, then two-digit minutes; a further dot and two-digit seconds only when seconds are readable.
2.13
